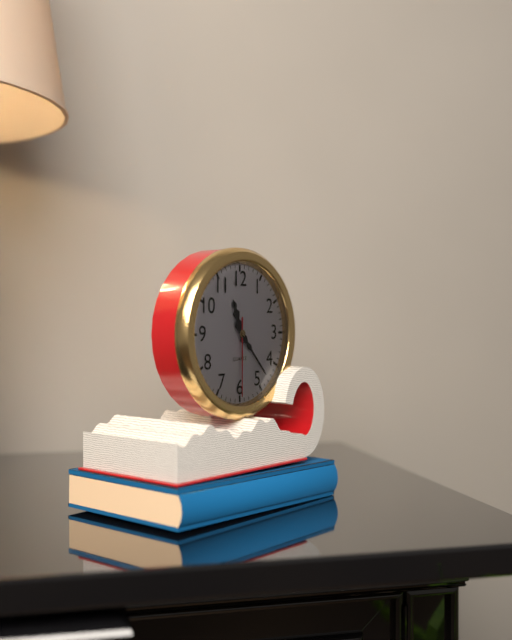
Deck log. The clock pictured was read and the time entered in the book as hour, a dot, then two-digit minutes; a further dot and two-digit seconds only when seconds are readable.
11.23.30
